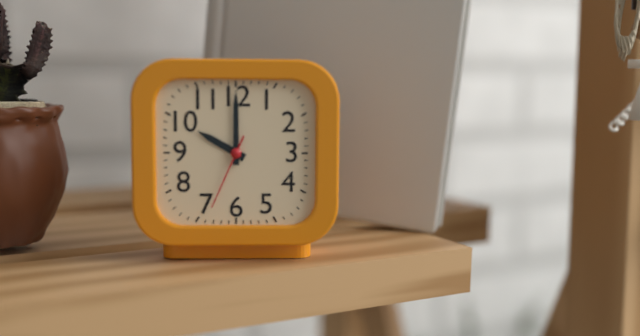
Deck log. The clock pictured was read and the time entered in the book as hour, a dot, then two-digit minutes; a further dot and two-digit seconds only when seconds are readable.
10.00.34
